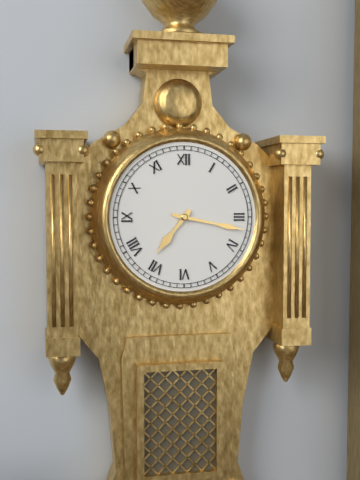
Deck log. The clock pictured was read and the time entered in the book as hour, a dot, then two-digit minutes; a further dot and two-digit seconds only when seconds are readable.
7.17
